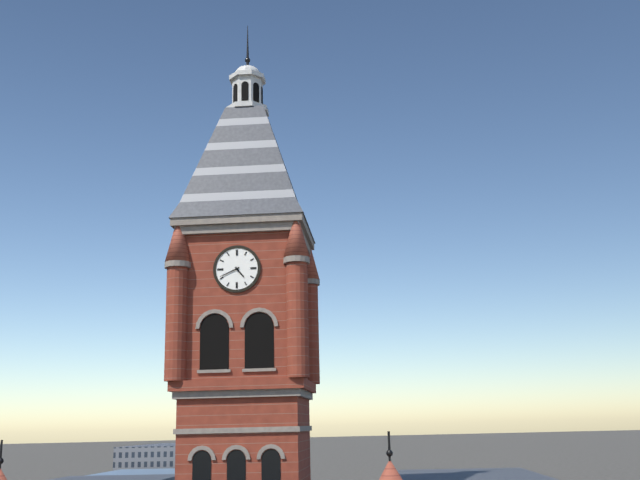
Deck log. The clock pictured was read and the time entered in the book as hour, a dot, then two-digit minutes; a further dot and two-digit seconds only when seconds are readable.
4.41
